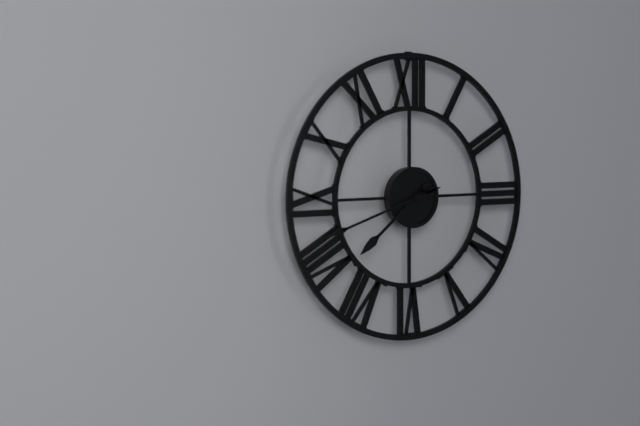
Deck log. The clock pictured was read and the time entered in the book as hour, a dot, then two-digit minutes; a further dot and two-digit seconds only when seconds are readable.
7.42
